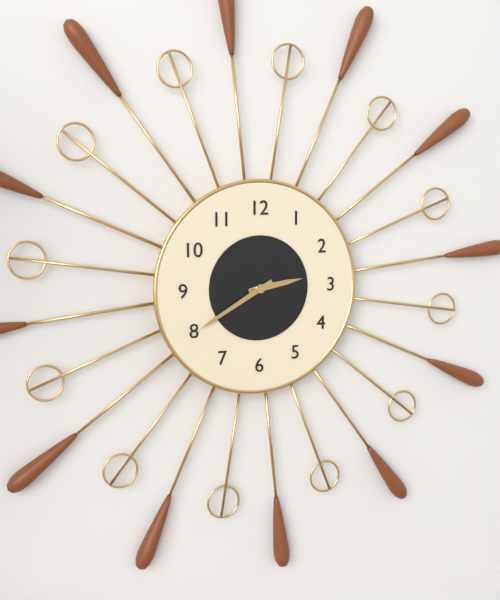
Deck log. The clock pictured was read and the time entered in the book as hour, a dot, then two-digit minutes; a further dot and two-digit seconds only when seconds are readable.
2.40
